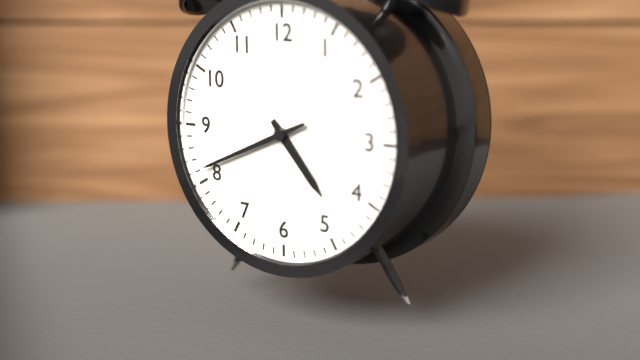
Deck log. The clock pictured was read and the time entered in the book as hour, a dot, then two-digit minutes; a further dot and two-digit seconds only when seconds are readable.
4.41
